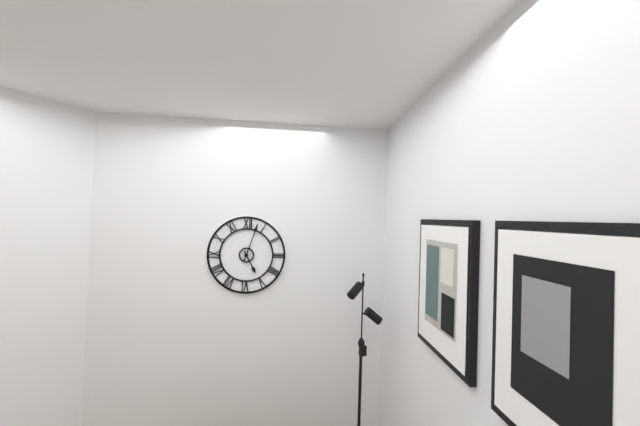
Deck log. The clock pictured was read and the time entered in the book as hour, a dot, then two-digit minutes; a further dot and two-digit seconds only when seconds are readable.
5.03
